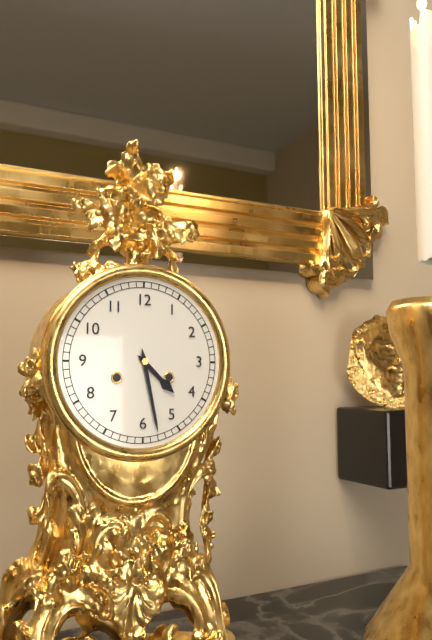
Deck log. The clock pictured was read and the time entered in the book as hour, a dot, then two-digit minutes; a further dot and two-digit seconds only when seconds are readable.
4.28
